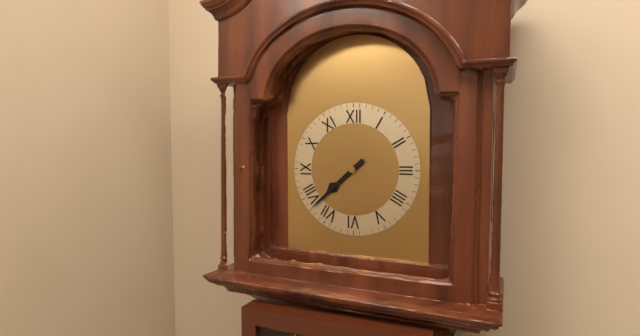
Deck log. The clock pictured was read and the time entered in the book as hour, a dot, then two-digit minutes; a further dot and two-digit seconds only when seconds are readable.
7.38
